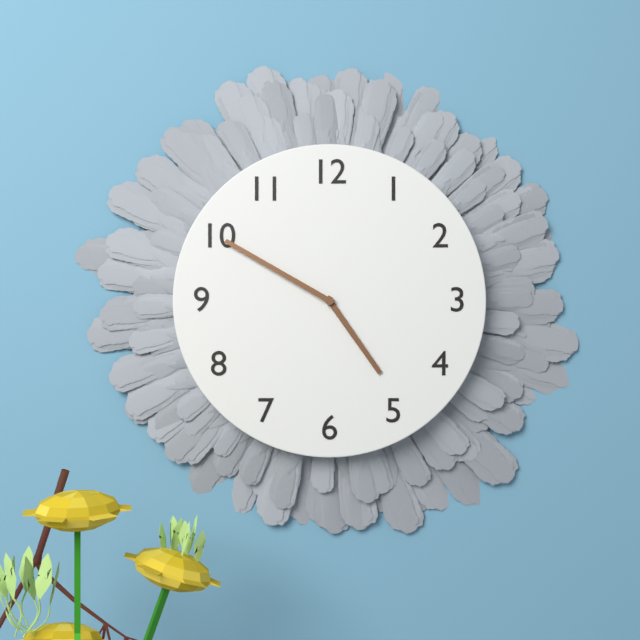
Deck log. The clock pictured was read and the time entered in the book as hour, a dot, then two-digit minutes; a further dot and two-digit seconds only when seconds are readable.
4.50
